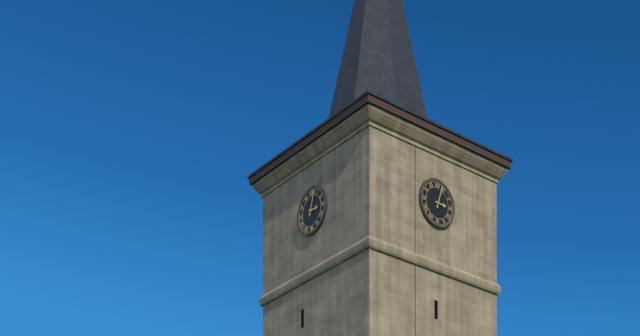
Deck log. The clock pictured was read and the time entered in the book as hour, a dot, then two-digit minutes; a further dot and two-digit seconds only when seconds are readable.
3.03
